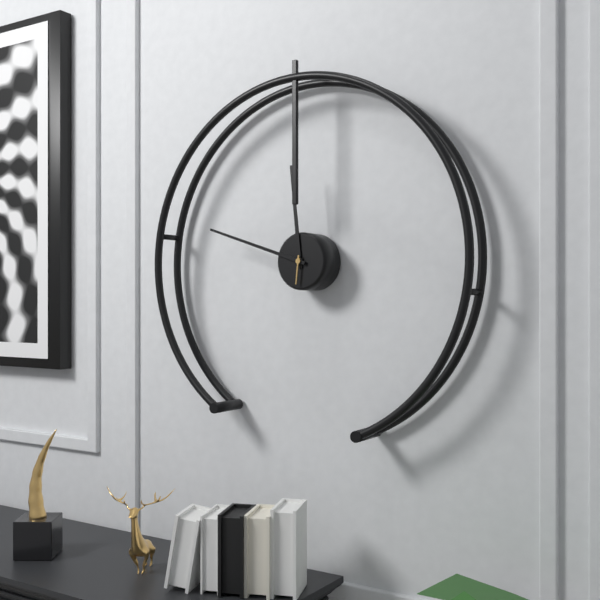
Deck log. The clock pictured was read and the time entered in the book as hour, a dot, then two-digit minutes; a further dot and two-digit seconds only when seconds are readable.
11.48
